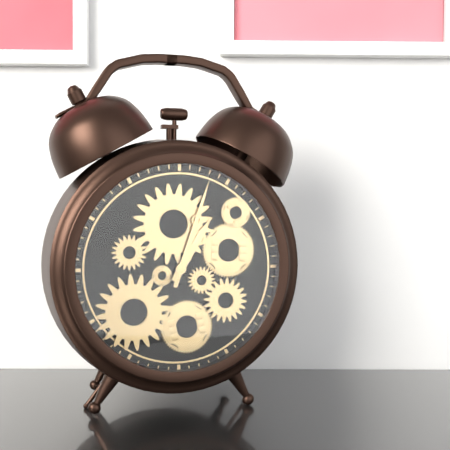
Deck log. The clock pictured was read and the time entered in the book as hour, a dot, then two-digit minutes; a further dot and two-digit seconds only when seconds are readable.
1.03
